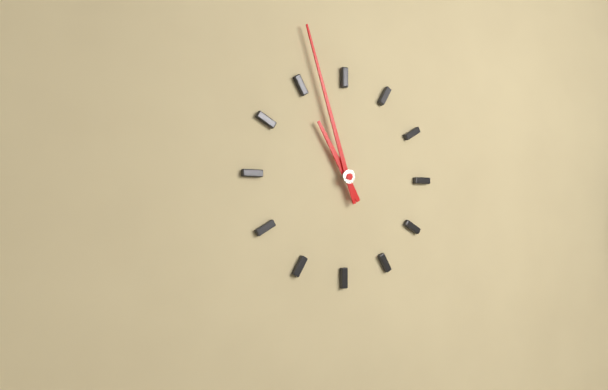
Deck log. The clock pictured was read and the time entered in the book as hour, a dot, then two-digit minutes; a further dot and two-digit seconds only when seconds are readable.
10.57
